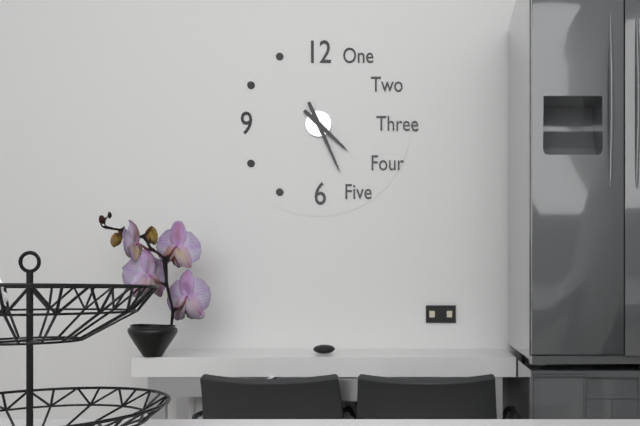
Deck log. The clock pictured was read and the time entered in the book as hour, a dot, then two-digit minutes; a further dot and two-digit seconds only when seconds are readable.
4.26
